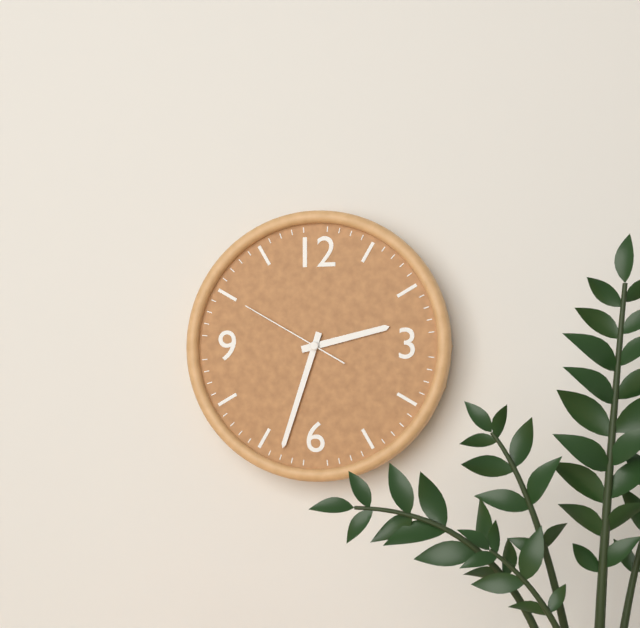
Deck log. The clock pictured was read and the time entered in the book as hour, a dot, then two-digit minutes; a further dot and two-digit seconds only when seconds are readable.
2.33.50
